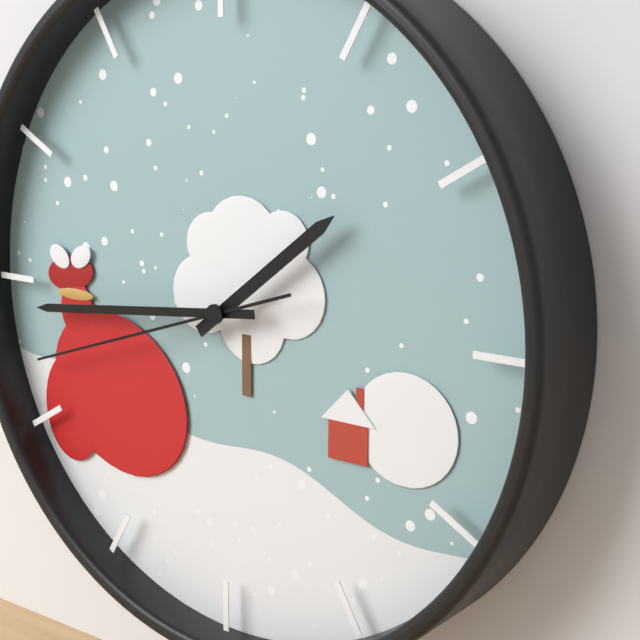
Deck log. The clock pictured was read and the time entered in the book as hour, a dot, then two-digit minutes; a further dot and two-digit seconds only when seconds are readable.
1.44.42
